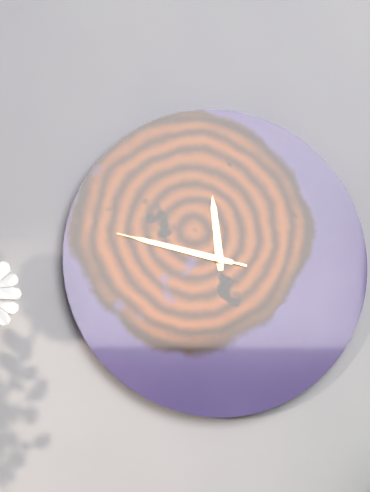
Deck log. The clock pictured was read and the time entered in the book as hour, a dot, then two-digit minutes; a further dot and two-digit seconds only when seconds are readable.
11.47.47
